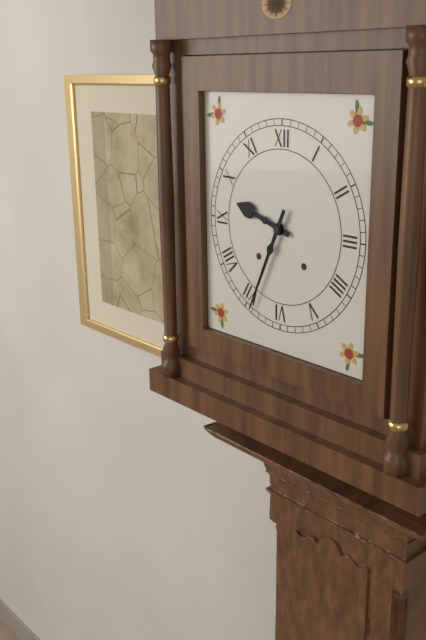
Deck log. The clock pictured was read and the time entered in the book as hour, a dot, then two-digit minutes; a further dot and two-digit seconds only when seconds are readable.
9.34
